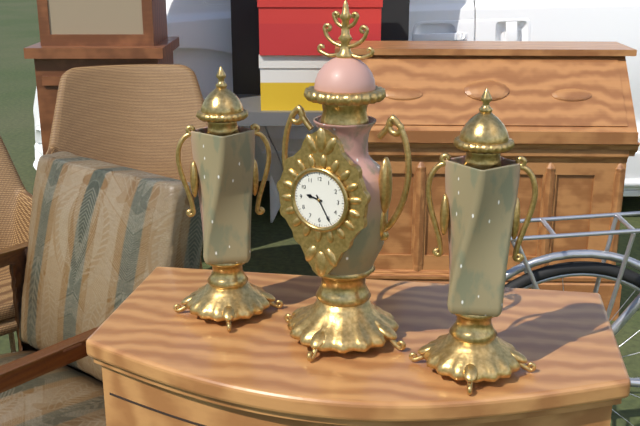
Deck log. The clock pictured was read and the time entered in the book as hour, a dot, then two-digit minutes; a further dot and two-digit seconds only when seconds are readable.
9.25
